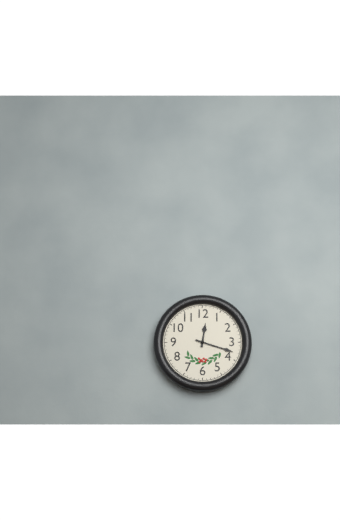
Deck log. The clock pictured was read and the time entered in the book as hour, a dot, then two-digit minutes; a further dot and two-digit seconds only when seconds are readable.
12.18
